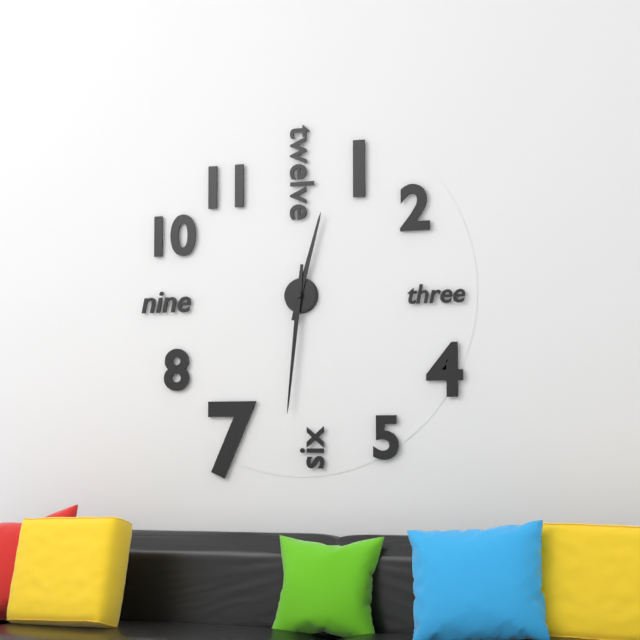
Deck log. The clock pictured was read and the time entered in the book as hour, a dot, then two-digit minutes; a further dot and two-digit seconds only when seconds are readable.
12.31
